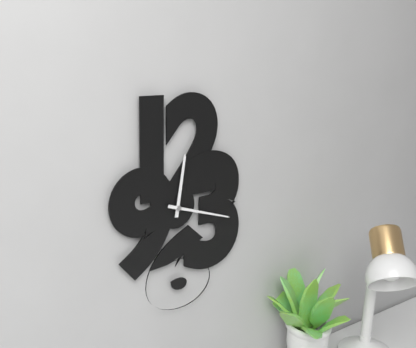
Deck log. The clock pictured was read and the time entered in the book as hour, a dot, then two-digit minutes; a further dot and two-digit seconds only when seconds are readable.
12.18
